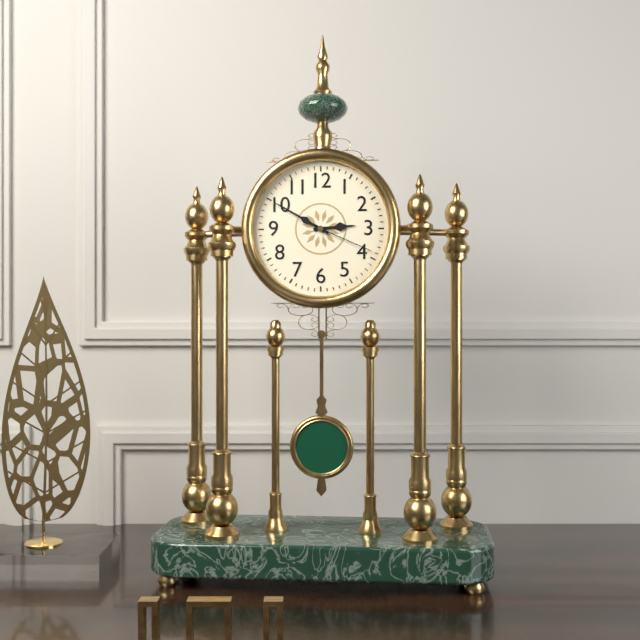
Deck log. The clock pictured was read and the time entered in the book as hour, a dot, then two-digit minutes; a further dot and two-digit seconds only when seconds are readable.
2.50.19
